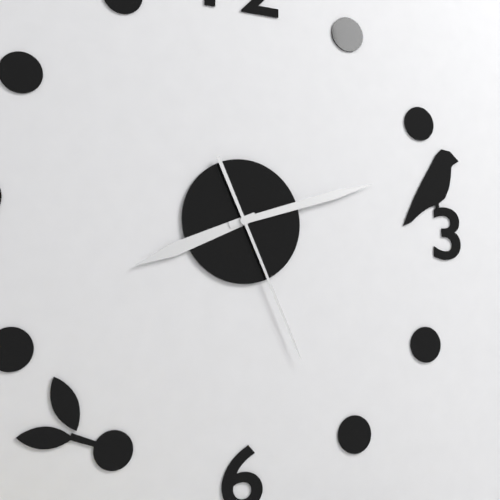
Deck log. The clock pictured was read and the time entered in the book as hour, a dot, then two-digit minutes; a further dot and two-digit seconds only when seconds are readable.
8.12.26
